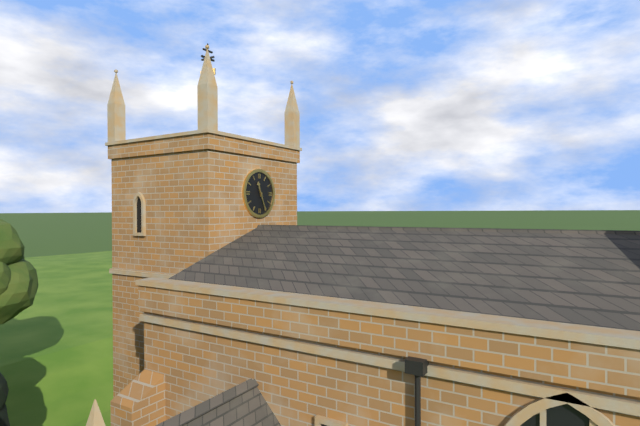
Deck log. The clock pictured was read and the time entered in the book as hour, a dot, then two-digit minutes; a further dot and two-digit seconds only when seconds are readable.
11.26
